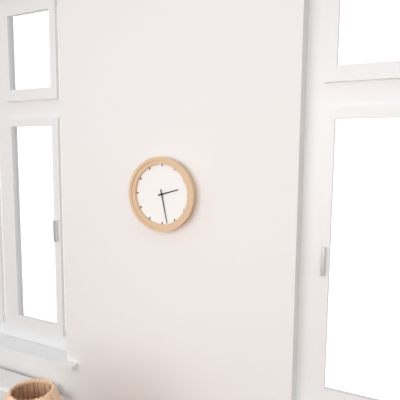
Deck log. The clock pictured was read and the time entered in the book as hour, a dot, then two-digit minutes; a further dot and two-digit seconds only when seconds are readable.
2.28
